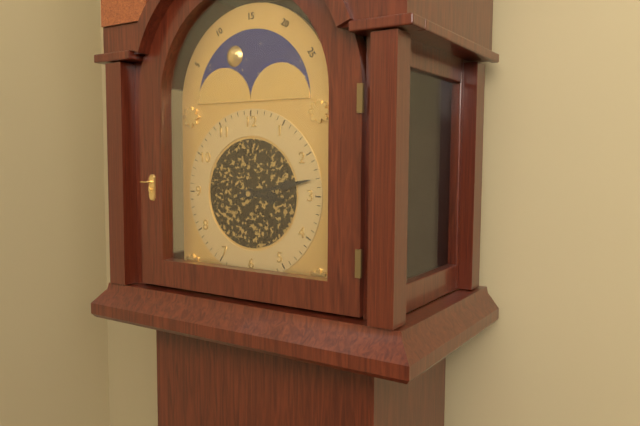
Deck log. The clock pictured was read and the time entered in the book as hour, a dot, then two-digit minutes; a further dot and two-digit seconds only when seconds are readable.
3.13
